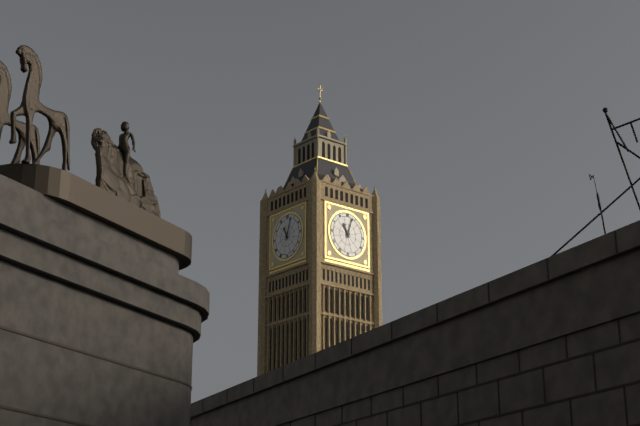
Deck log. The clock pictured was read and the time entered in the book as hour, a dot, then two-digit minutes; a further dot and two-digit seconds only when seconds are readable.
11.03
